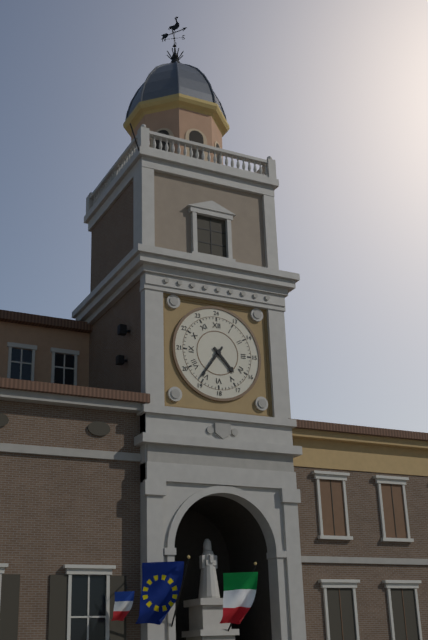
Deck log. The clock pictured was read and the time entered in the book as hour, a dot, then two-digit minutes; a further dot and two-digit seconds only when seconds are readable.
4.36
